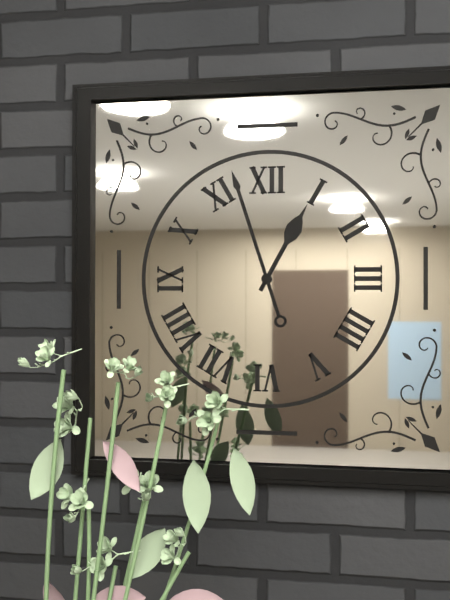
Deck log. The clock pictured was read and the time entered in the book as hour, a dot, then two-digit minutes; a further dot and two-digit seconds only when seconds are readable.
12.57
